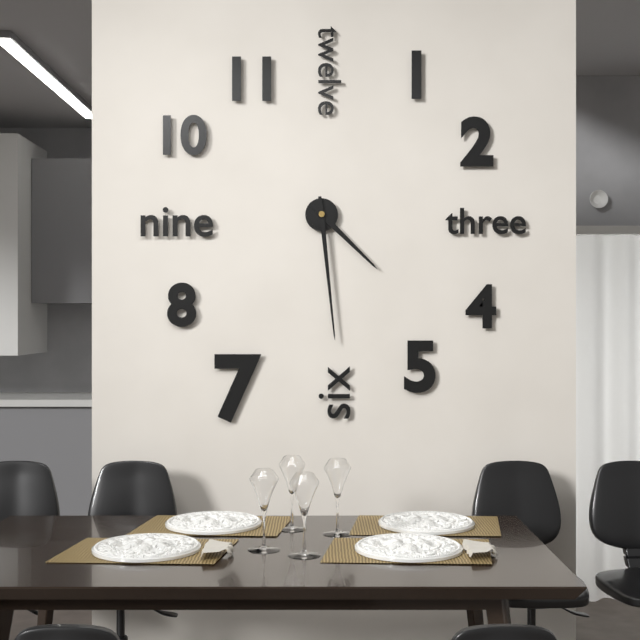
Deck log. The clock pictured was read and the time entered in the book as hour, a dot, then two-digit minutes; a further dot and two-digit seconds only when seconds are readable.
4.29
